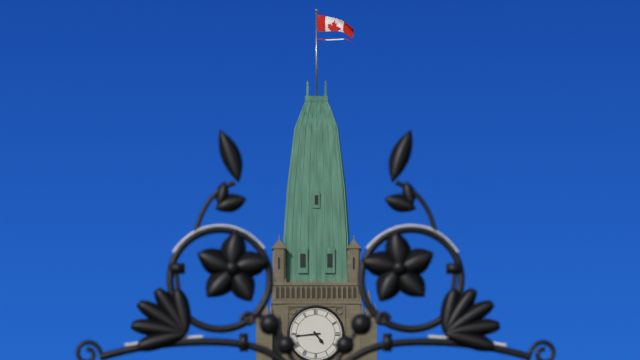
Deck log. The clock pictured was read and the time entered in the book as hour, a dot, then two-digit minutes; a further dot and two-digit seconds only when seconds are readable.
4.44
